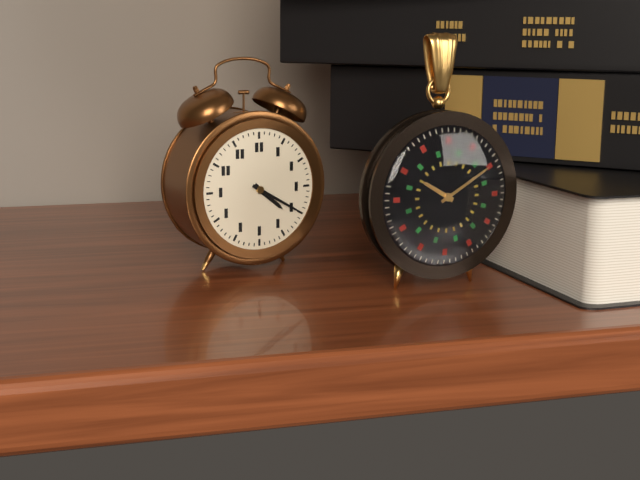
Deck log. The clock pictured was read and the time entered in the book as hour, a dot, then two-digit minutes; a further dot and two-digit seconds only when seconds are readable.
4.20
